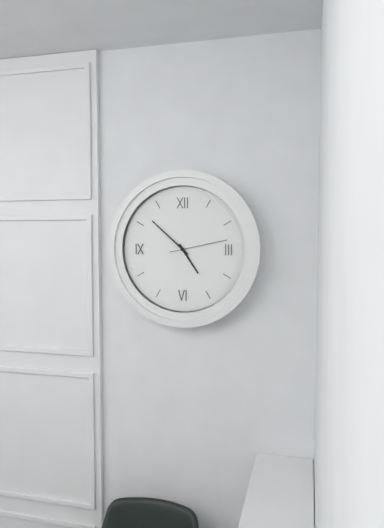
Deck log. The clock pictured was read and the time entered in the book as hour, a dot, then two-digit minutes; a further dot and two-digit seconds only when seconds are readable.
4.52.13
